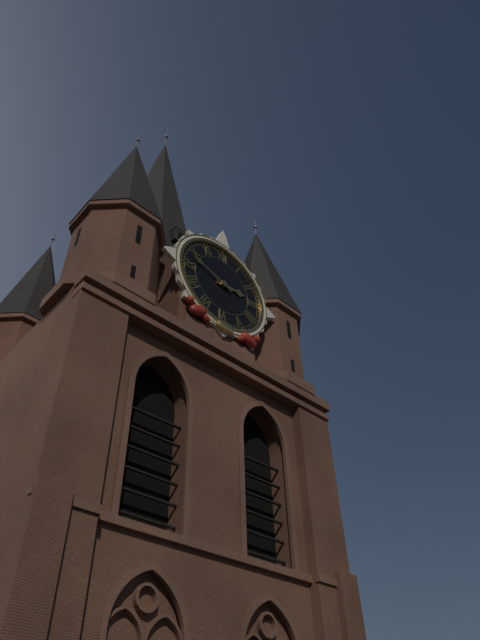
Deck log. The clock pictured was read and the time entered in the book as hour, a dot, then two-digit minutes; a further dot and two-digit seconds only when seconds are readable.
2.48
